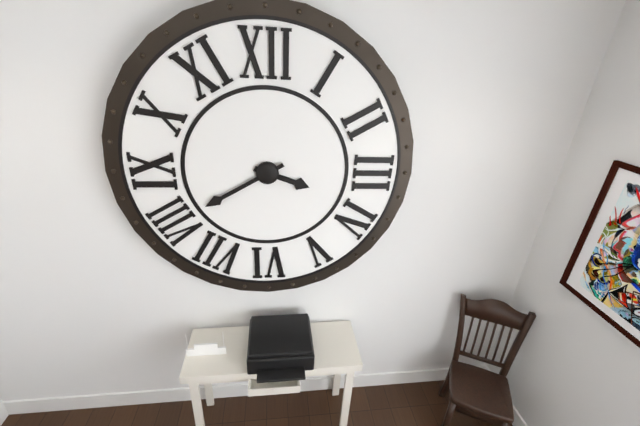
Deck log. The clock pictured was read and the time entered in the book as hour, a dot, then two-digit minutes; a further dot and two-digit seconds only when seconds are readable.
3.40
